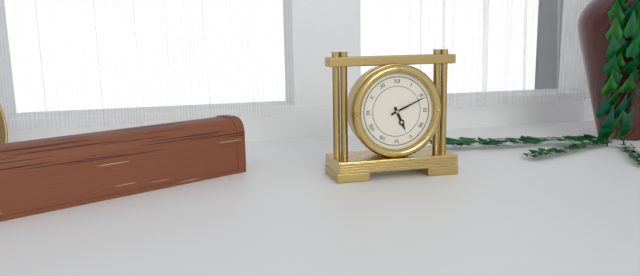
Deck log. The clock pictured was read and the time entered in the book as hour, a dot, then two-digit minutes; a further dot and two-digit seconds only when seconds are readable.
5.11
